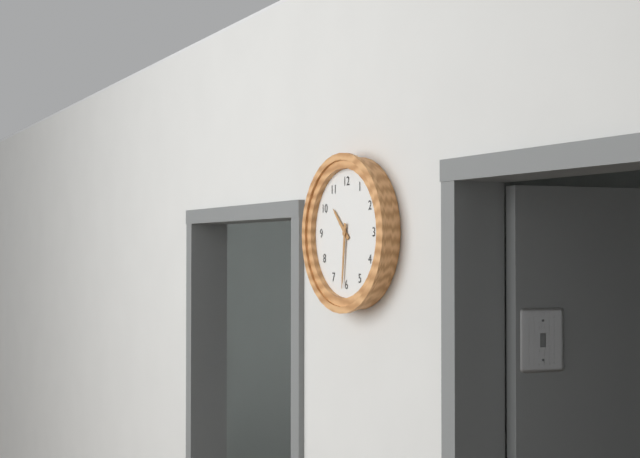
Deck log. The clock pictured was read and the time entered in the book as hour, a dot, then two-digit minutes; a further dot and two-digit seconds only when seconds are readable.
10.31
